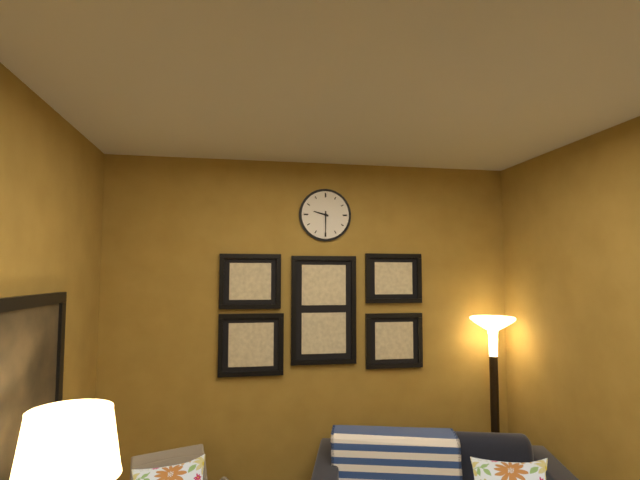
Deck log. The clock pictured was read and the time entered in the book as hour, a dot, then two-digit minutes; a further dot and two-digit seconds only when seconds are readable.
9.30
